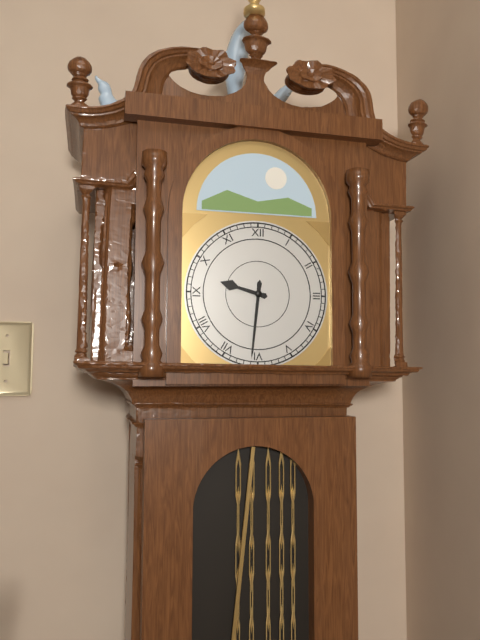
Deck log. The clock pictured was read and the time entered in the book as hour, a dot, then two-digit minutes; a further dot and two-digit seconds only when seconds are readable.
9.31
